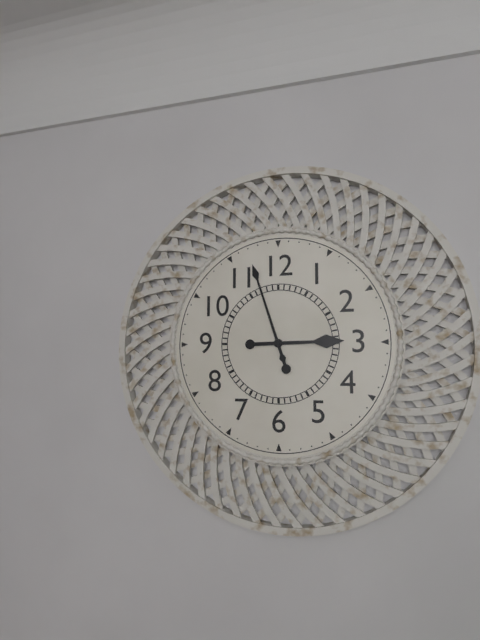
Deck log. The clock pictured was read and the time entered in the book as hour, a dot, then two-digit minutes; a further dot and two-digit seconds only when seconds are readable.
2.57
